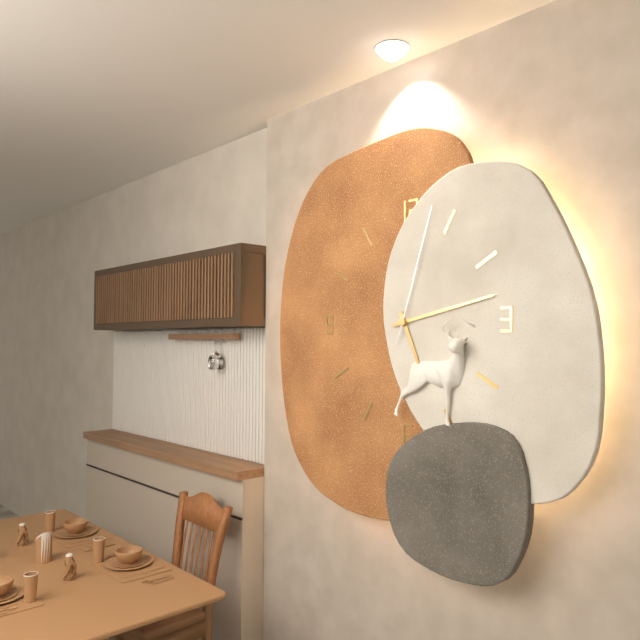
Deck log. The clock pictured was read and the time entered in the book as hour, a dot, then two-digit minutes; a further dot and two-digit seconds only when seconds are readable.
5.13.03
